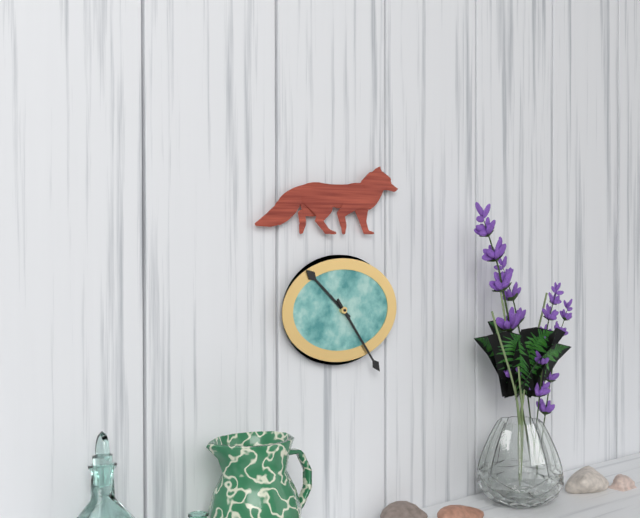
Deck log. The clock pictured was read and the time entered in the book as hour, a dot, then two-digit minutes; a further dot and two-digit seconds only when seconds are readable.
10.24
